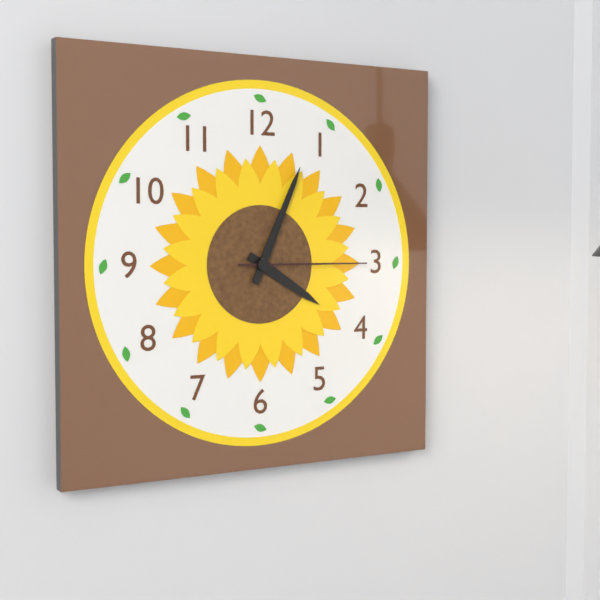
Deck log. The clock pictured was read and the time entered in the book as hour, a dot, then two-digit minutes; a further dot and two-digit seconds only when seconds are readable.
4.04.15
